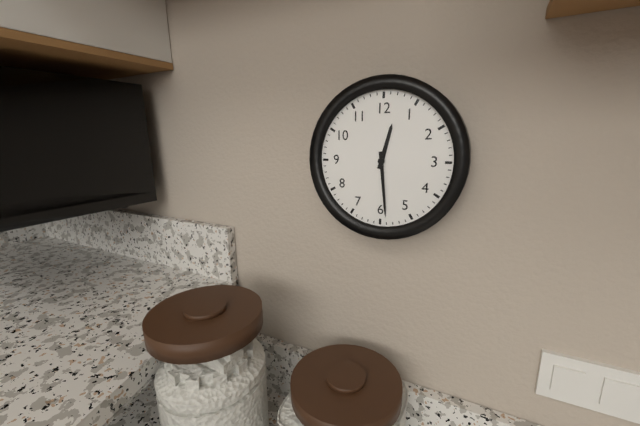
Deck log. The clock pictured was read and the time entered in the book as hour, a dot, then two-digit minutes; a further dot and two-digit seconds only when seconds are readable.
12.29
